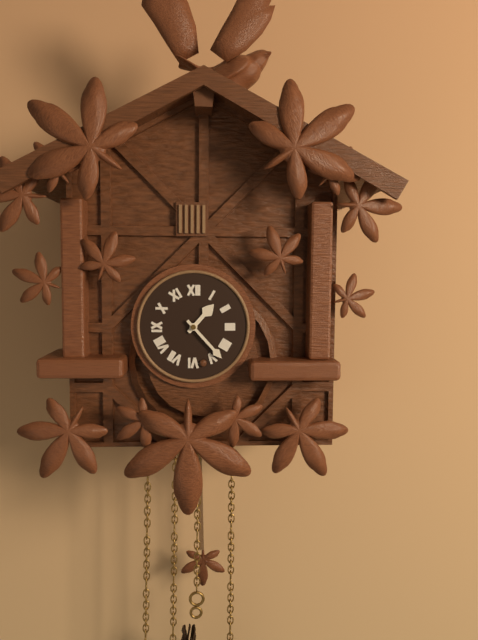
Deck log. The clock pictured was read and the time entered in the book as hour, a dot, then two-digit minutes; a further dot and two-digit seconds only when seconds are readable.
1.23
